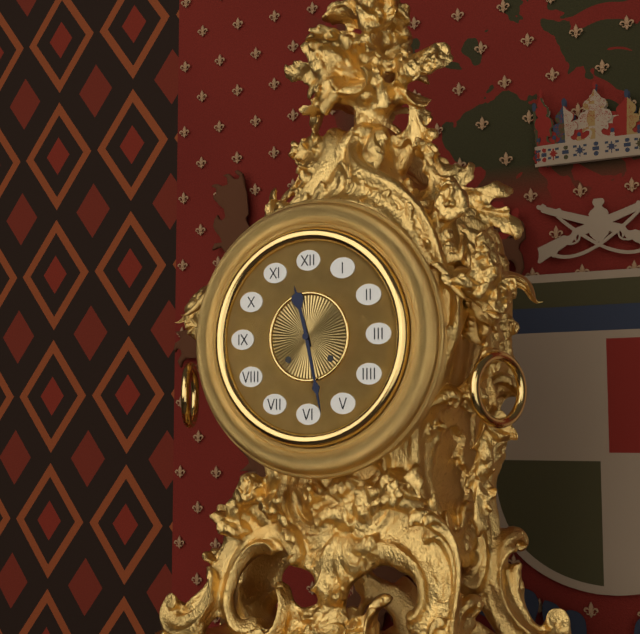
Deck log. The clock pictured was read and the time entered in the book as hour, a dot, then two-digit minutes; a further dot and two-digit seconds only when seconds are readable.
11.28
